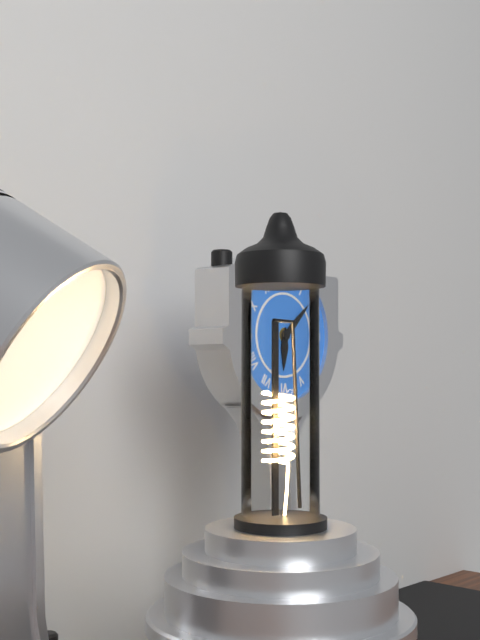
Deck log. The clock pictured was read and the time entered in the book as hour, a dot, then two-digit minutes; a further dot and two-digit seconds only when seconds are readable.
6.08
